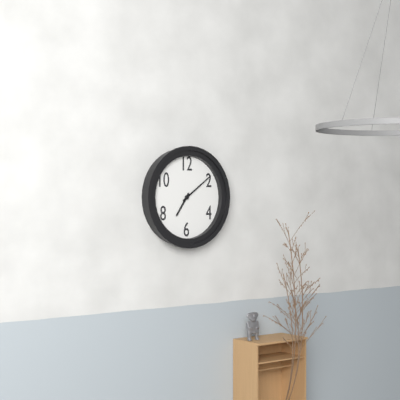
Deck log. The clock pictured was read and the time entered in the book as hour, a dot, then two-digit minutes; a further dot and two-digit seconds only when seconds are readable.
7.09
